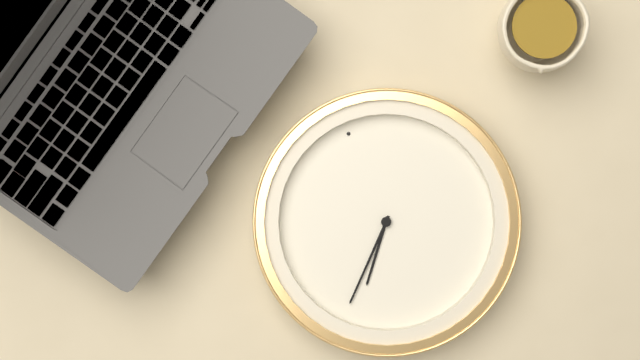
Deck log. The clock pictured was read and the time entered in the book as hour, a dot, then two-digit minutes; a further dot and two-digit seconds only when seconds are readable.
6.34
